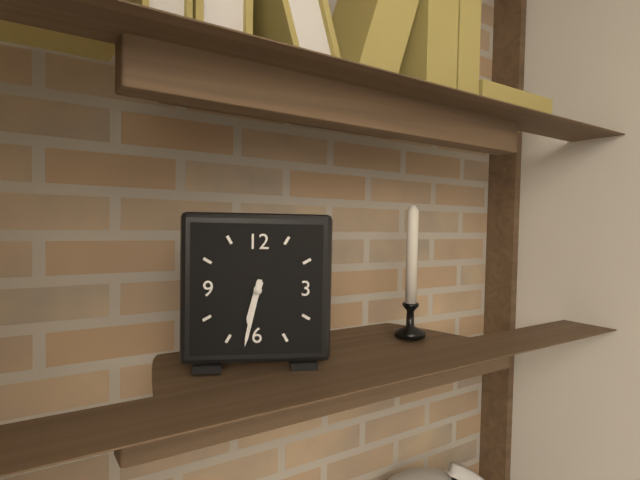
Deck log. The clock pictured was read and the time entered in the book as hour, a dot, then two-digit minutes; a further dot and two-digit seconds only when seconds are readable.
6.32
